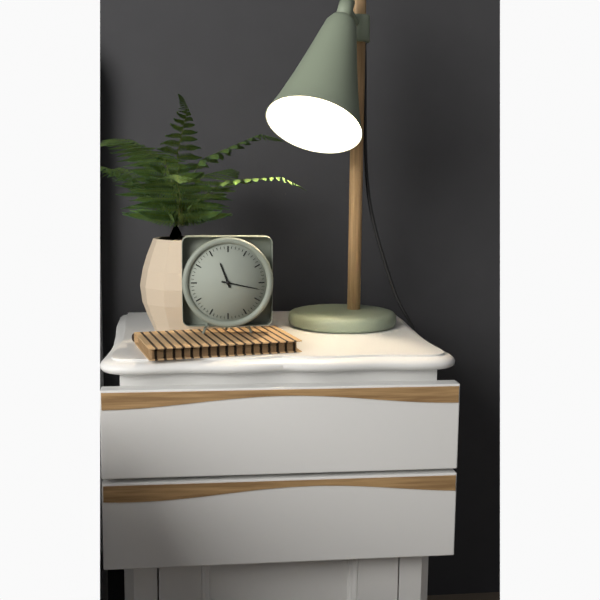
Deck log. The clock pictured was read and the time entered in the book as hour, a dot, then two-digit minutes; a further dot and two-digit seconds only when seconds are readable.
11.17
